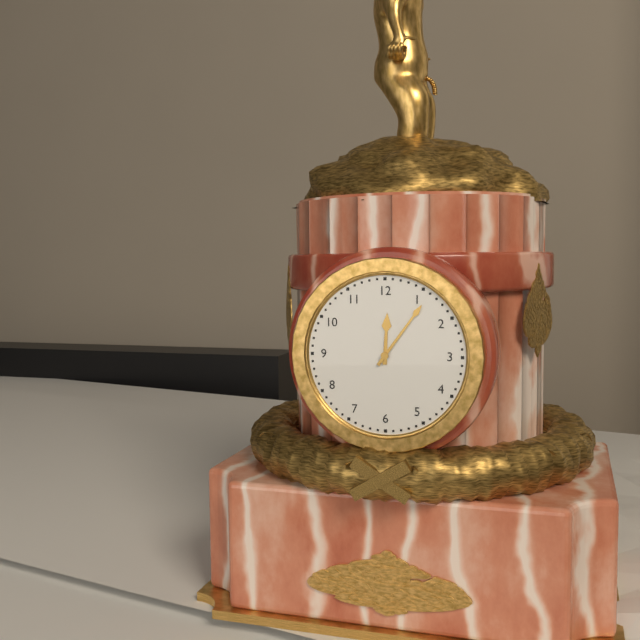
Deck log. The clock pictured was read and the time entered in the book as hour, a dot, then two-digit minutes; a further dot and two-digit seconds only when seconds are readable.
12.06
